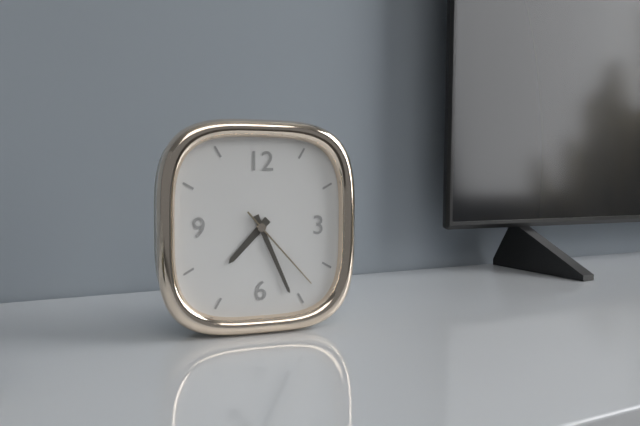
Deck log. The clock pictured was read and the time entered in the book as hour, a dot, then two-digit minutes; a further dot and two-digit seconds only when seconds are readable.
7.26.23
